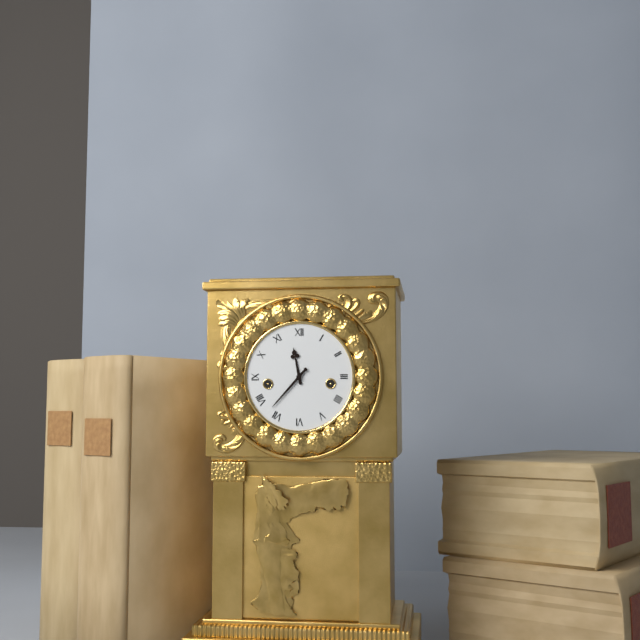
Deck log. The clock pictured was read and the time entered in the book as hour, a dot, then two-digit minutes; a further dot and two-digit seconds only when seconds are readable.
11.37
